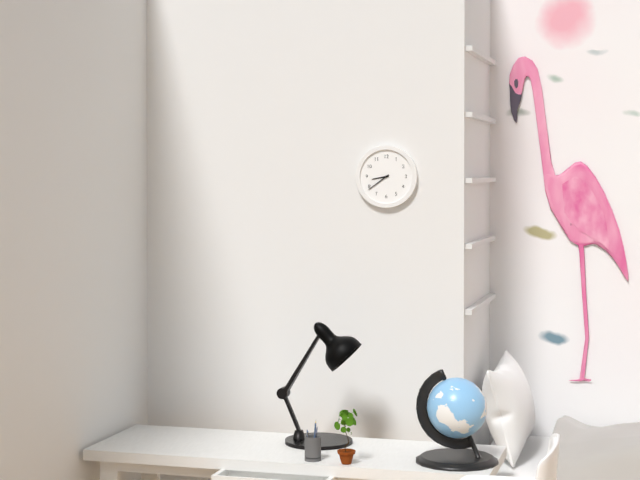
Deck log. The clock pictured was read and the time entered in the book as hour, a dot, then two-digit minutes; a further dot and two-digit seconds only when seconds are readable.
8.39
